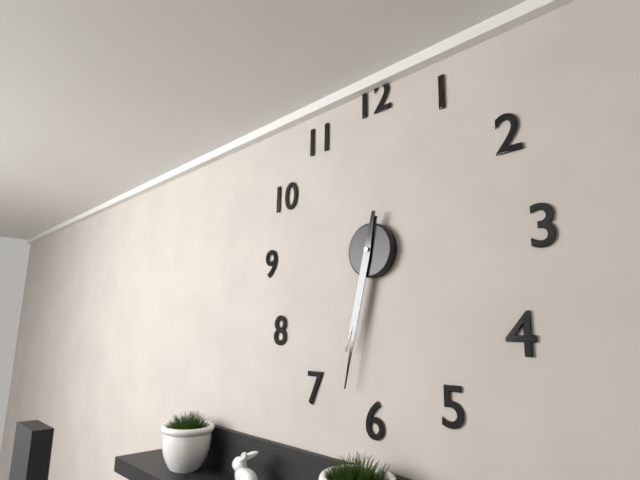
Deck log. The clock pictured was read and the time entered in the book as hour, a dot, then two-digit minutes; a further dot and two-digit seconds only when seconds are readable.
6.32
